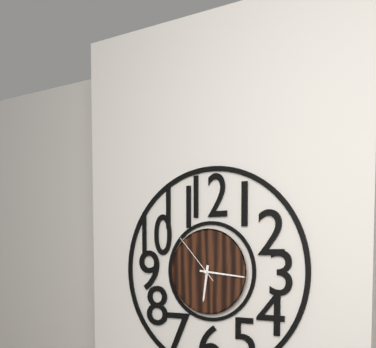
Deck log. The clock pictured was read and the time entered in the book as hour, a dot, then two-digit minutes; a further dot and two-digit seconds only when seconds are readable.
6.16.53
